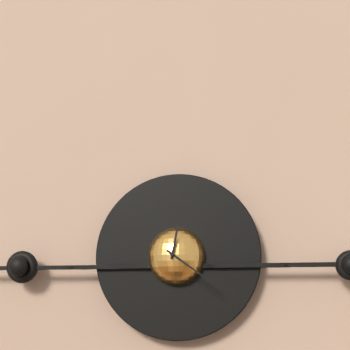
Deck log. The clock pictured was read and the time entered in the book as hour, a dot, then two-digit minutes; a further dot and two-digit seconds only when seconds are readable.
12.21
